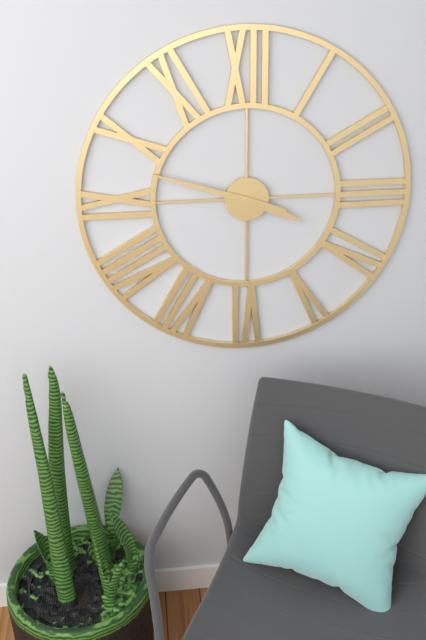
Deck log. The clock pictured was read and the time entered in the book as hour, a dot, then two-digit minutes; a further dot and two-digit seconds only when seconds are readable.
3.48
